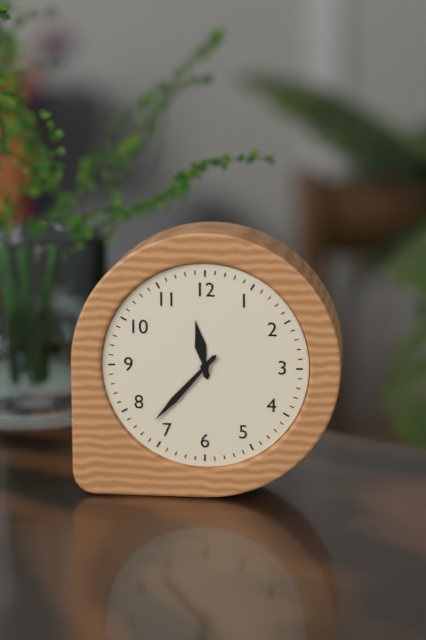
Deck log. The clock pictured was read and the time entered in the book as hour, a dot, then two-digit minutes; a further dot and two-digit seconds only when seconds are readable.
11.37
